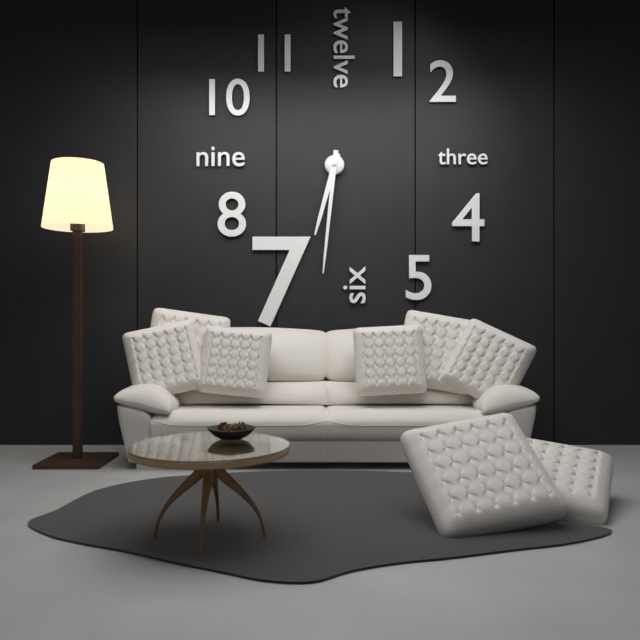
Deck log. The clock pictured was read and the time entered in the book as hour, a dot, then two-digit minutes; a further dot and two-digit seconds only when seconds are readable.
6.31
